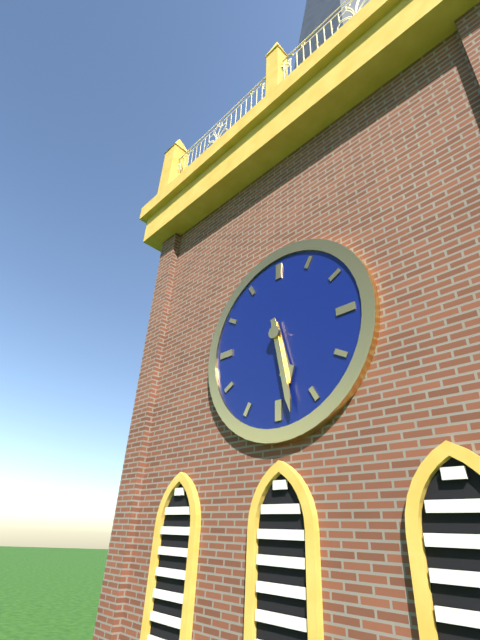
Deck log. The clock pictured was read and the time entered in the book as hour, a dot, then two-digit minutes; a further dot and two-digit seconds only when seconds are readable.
5.28
